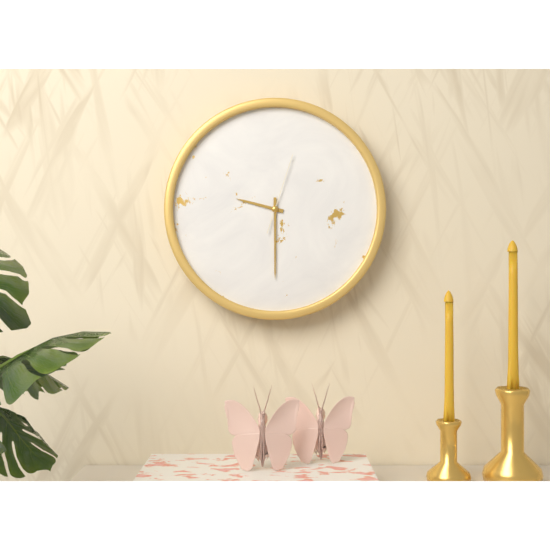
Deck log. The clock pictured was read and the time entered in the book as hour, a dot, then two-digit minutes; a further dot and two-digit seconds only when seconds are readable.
9.30.03
